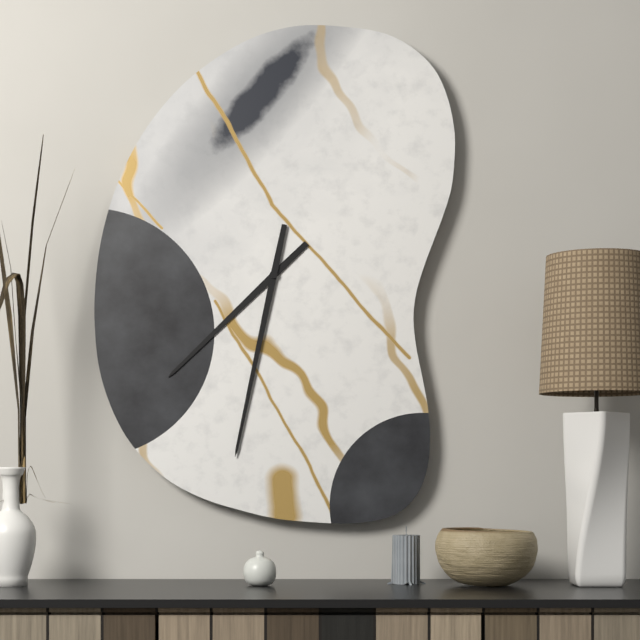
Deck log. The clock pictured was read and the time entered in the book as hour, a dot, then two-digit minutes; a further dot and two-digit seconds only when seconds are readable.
7.32
